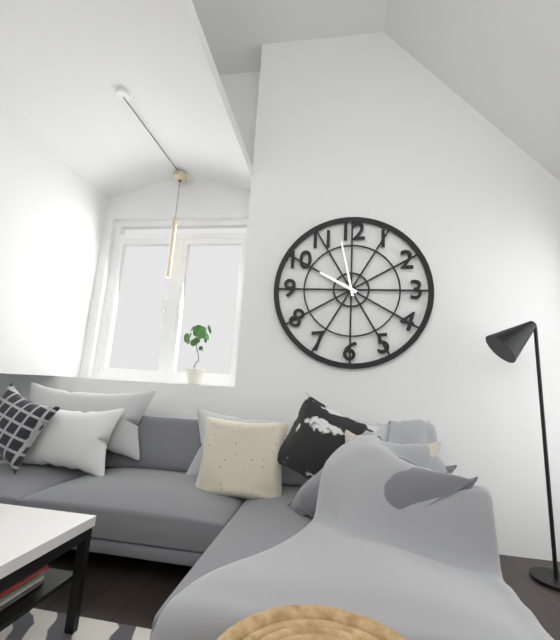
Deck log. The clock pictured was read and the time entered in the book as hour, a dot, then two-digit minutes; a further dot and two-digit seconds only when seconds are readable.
9.58
